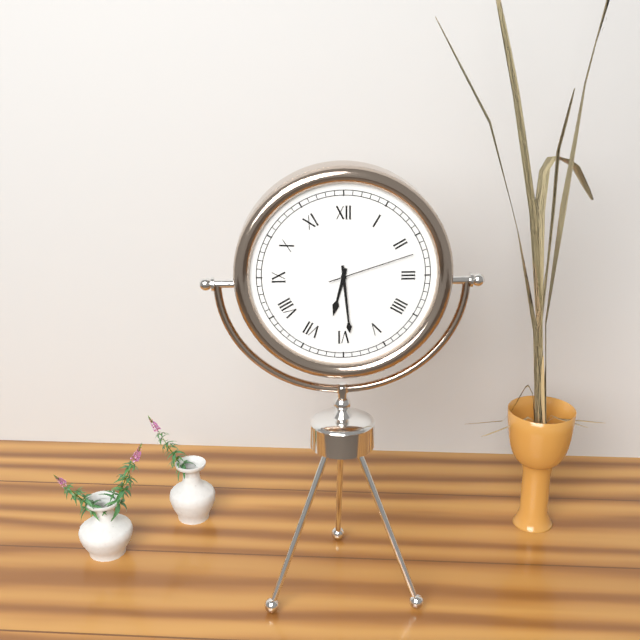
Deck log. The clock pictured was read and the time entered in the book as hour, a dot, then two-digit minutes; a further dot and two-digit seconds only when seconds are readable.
6.29.12
